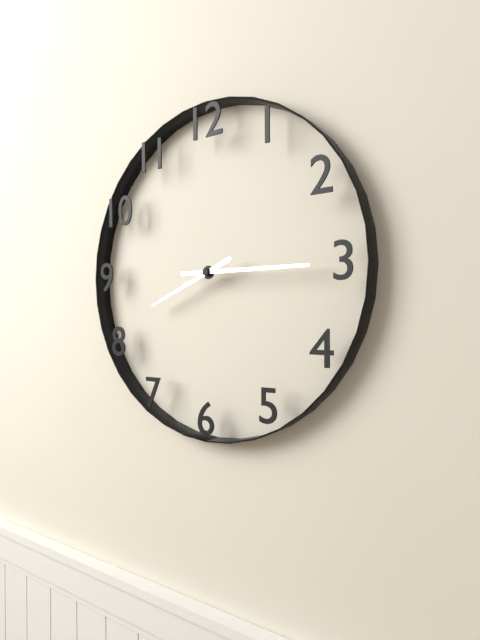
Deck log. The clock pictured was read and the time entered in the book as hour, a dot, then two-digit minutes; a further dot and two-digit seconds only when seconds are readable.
8.15
